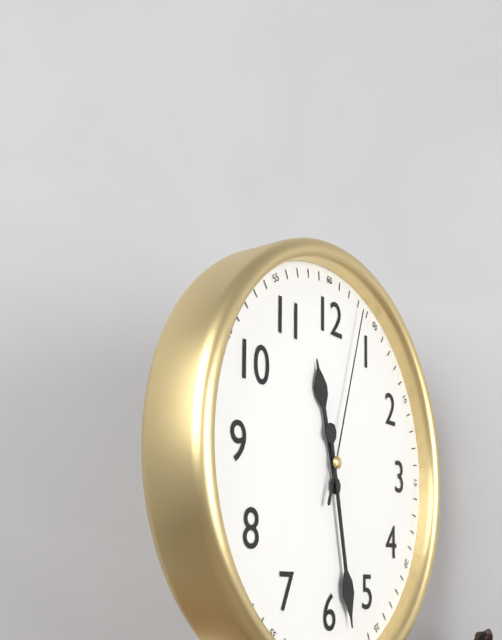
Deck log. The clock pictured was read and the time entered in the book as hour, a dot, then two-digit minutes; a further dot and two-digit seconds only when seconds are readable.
11.28.03
